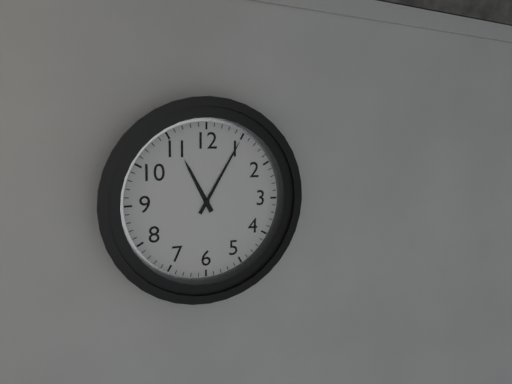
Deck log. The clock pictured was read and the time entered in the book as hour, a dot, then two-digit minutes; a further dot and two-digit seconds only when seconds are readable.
11.05
